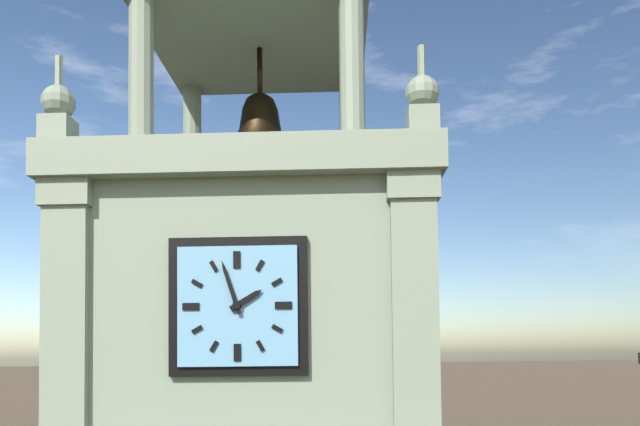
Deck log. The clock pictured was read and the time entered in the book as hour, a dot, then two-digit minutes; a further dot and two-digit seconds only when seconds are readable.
1.57
